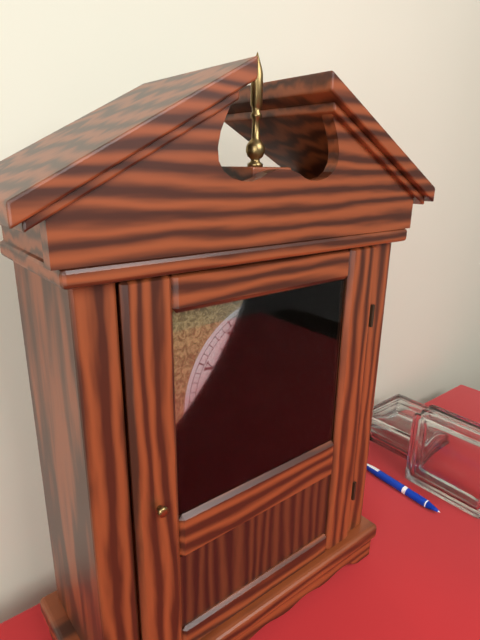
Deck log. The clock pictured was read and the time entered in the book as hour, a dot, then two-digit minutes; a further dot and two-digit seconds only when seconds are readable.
10.04
